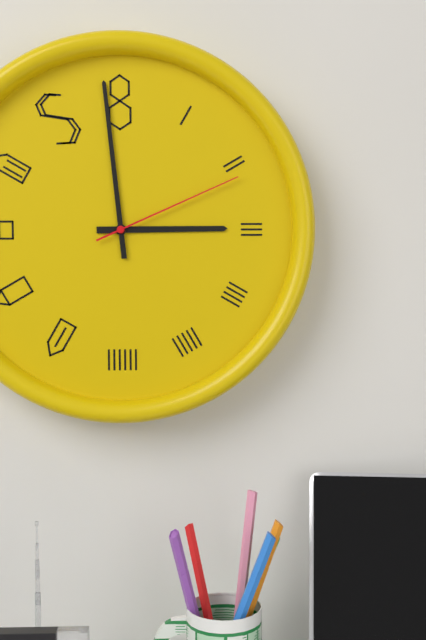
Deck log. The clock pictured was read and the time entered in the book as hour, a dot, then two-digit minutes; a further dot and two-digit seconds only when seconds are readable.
2.59.11
